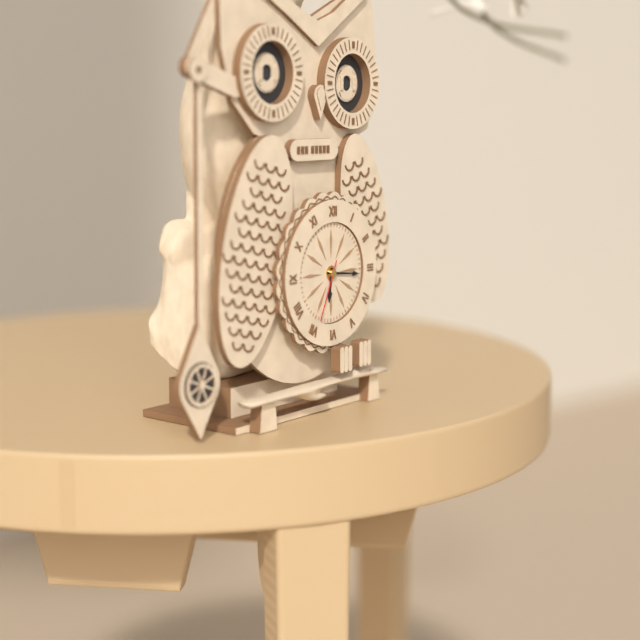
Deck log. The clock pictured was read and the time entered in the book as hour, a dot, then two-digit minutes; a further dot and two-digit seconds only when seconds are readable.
6.16.34
